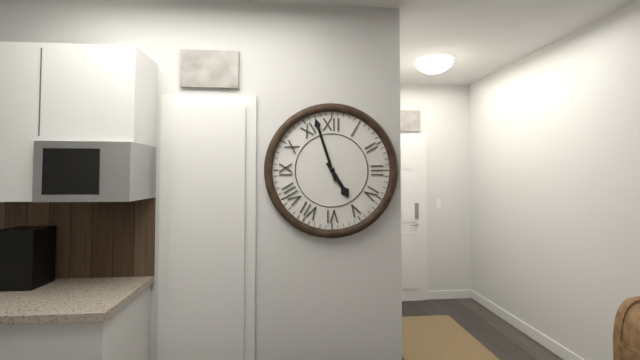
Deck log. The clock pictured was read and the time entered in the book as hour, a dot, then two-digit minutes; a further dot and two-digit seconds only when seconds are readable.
4.57
